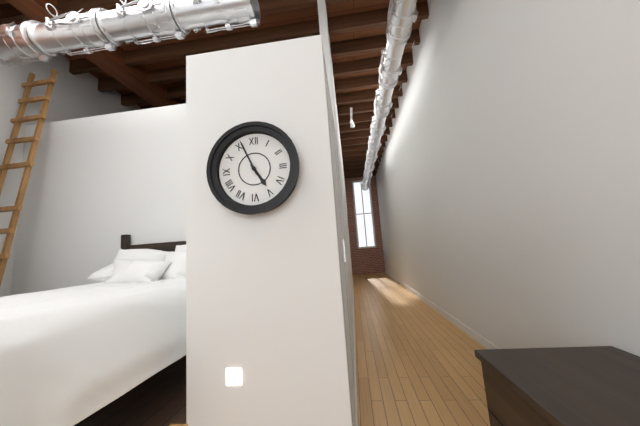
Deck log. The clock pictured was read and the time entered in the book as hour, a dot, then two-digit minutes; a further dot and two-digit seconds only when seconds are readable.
4.56
